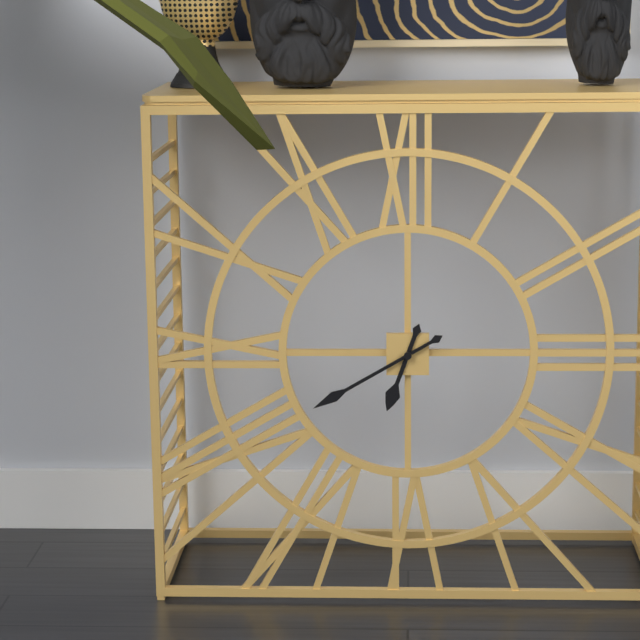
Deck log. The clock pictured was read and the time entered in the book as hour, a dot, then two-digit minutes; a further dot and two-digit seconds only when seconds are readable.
6.40
